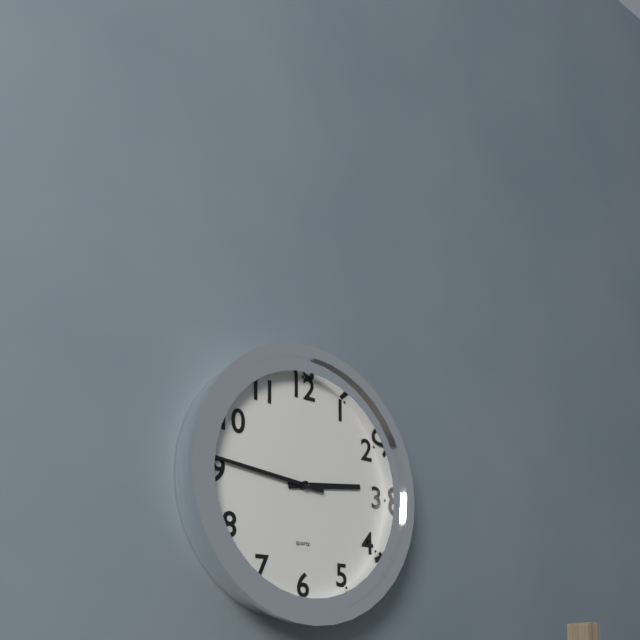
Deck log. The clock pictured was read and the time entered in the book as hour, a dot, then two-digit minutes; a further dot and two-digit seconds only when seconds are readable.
2.46
